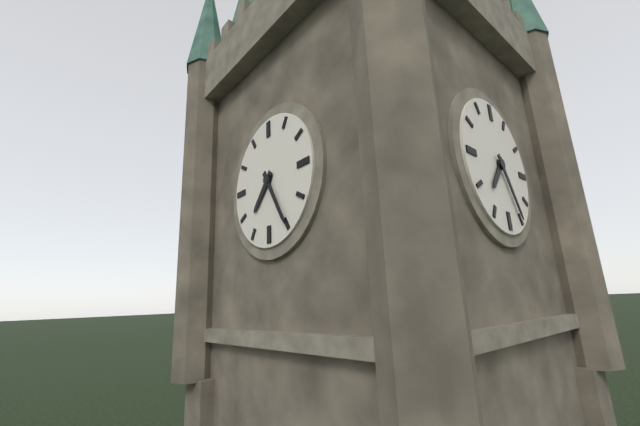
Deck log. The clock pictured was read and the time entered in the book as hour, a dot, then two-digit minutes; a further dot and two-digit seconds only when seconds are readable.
7.25
